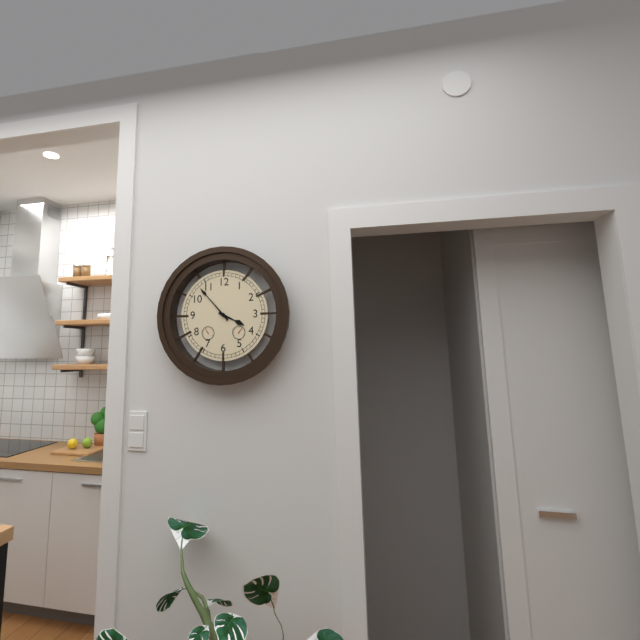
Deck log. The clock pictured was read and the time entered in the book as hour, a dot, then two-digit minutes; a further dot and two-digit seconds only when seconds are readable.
3.53
